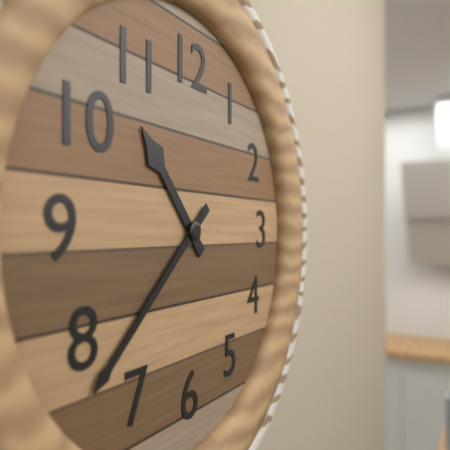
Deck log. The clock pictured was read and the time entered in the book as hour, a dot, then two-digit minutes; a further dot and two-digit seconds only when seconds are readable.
10.38
